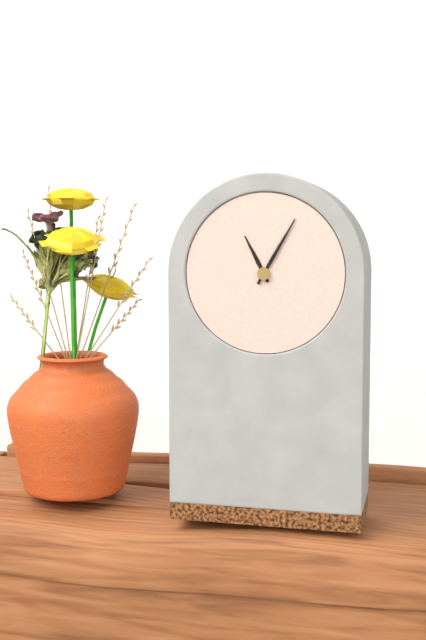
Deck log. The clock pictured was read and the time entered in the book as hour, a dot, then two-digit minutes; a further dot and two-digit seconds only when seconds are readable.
11.05
